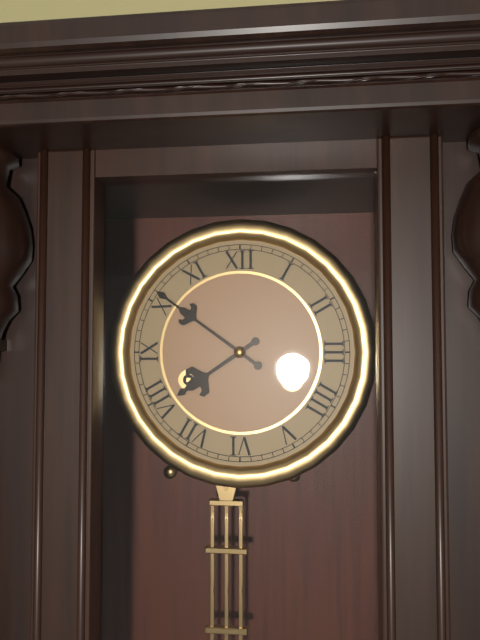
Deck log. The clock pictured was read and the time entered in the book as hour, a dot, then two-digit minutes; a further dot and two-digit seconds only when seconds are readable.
7.51
